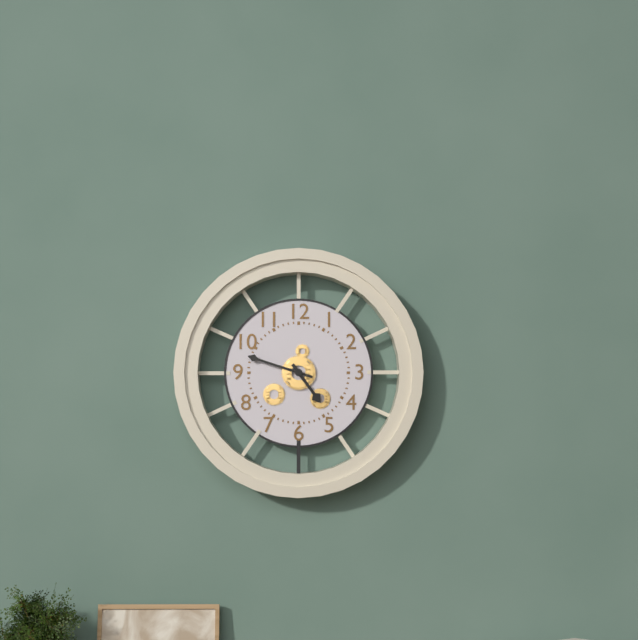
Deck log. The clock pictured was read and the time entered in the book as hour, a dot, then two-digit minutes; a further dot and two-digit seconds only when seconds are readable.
4.48
